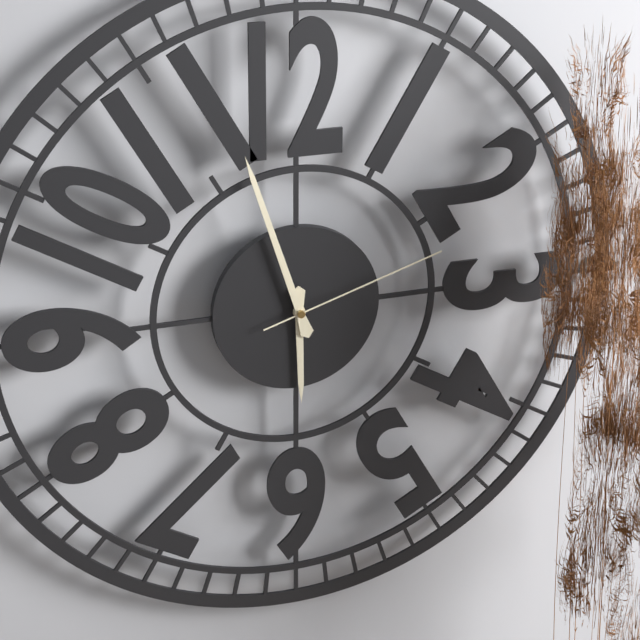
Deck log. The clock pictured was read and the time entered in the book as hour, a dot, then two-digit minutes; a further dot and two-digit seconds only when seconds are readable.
5.57.12
